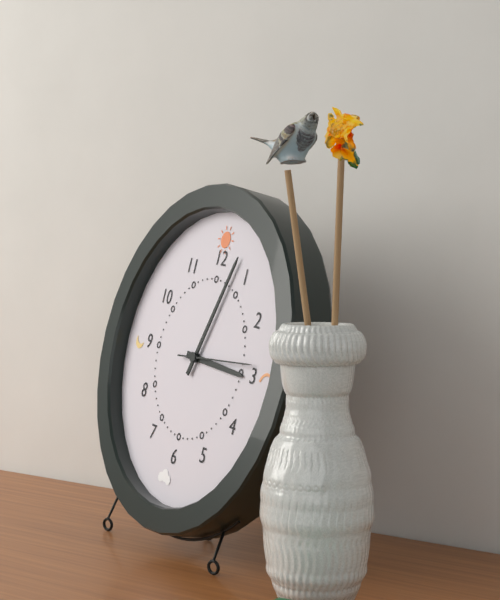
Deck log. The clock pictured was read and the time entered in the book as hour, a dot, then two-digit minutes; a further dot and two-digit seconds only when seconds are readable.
3.03.14
